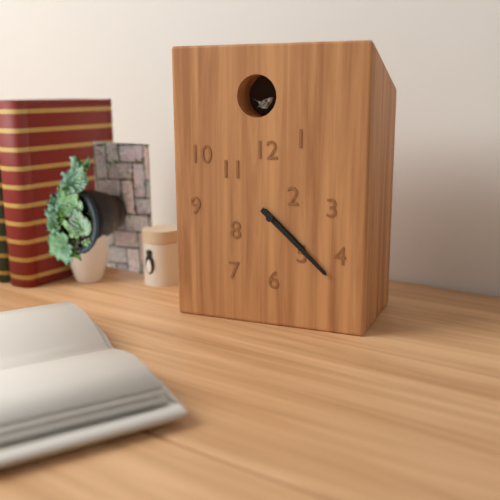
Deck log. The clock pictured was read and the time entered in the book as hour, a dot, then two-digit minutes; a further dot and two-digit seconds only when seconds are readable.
4.22
